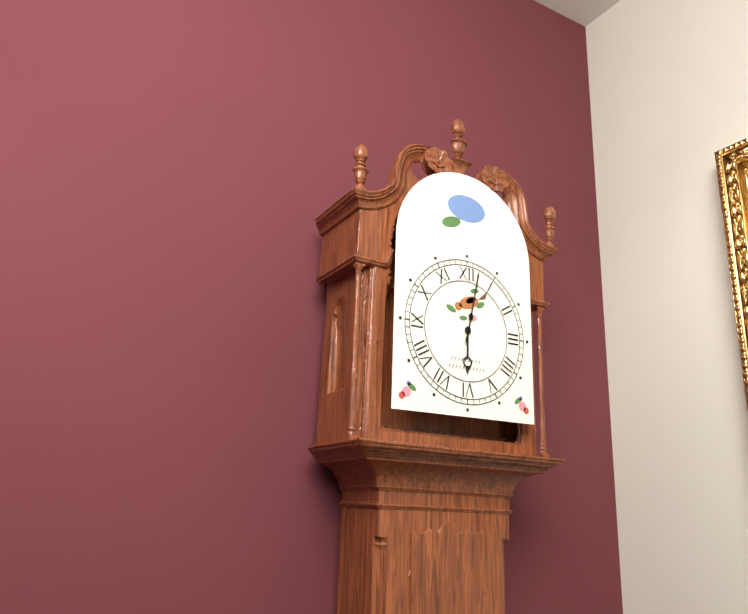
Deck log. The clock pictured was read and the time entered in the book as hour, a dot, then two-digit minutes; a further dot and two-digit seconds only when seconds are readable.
6.02
